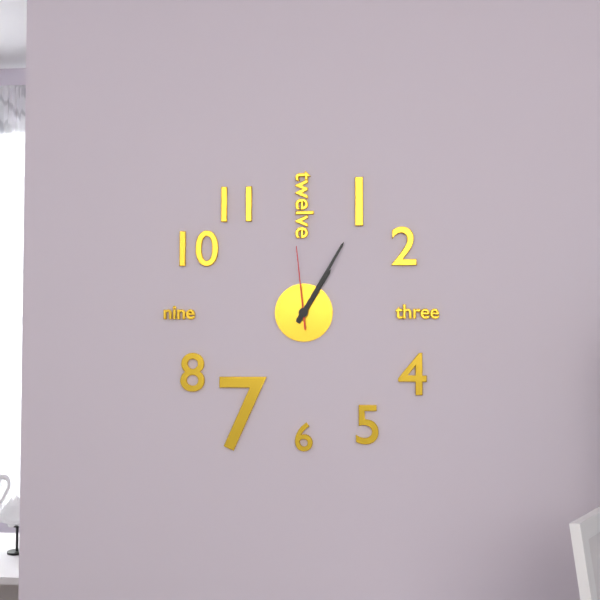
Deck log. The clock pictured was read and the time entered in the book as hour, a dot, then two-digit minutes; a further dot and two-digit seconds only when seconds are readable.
1.05.59
